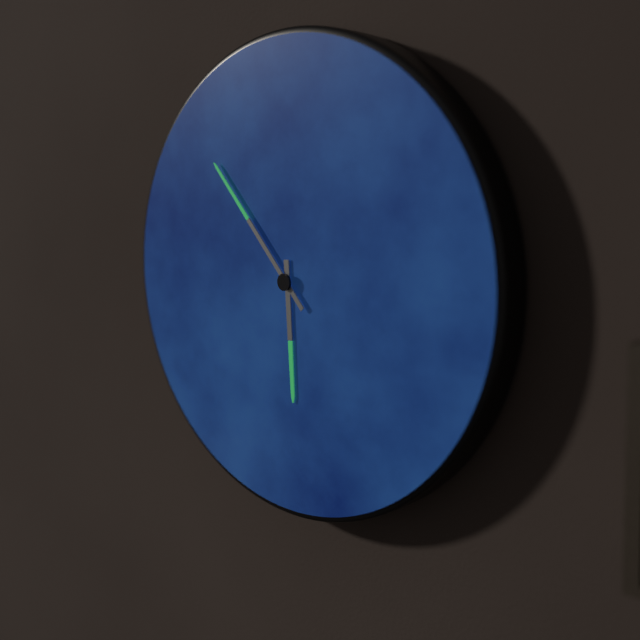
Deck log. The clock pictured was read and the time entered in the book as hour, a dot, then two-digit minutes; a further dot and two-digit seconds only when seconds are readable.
5.53
